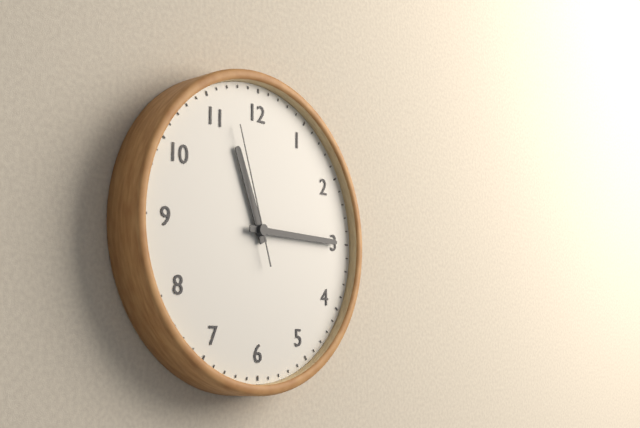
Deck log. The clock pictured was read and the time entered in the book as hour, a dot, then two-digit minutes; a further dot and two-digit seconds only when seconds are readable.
11.15.57
